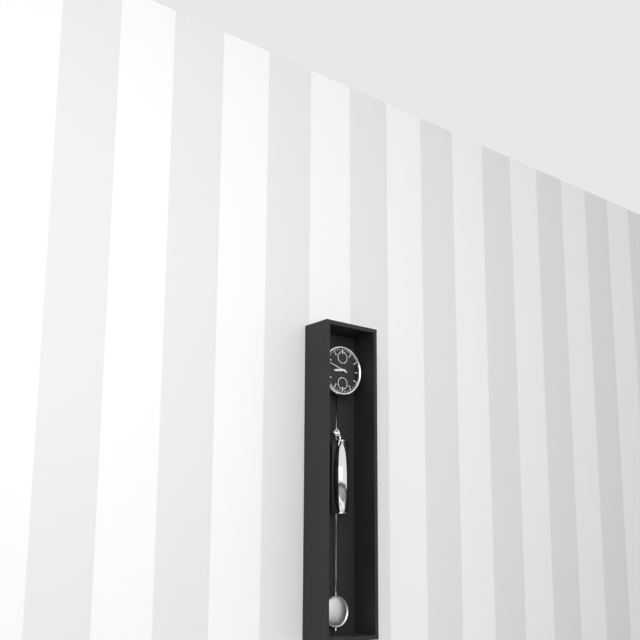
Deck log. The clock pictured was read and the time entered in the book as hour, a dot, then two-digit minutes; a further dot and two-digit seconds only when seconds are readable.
8.48
